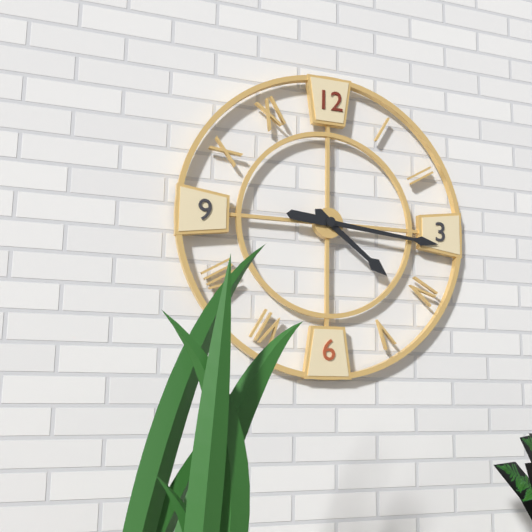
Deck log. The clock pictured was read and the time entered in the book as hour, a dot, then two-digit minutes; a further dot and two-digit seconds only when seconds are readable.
4.16
